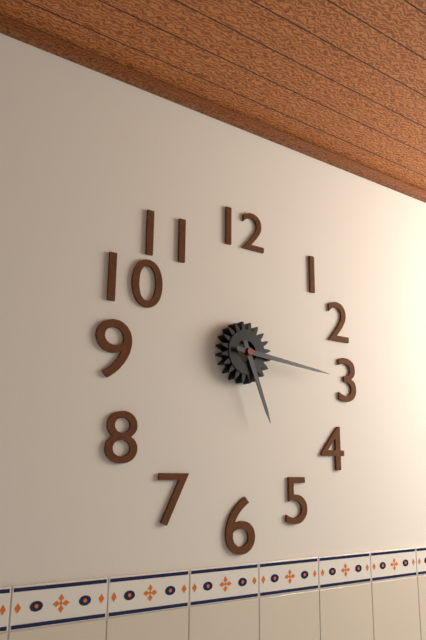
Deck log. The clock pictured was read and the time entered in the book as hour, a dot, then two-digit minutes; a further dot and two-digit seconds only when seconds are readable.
5.16
